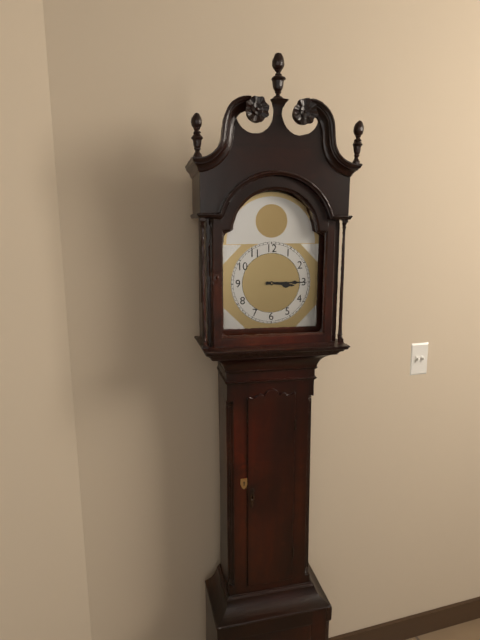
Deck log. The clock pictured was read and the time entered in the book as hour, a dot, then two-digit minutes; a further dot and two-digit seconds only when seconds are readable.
3.15
